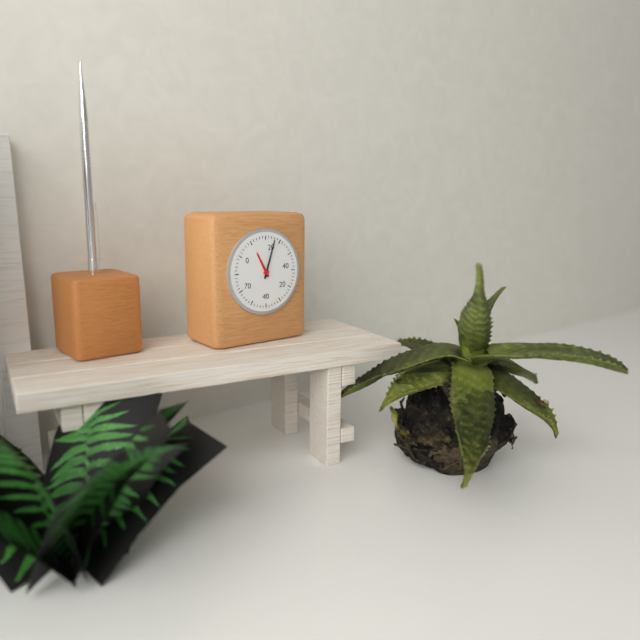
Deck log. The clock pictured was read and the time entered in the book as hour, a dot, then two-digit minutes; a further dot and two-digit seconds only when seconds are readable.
11.03
